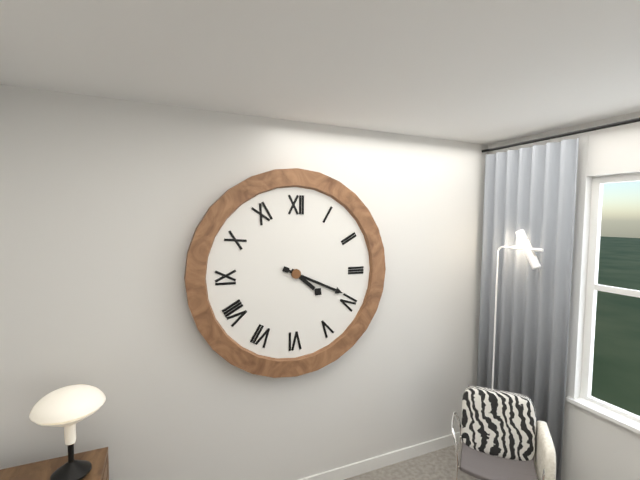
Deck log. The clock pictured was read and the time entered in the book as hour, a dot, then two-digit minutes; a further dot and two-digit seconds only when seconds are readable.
4.19
